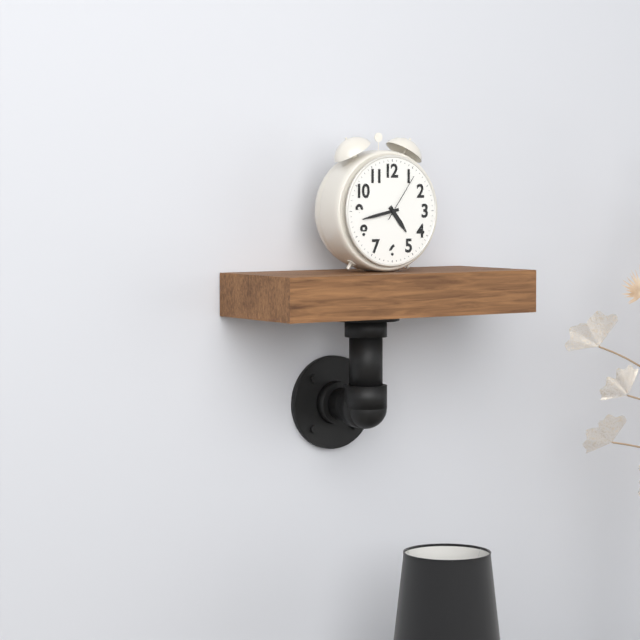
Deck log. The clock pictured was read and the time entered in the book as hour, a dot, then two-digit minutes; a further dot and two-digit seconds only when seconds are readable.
4.43.06
